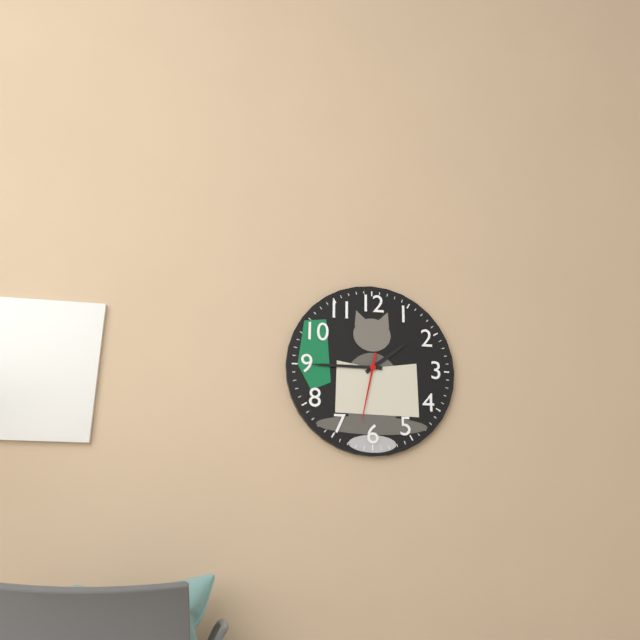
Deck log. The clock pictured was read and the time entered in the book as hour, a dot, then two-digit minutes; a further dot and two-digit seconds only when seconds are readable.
1.45.32
